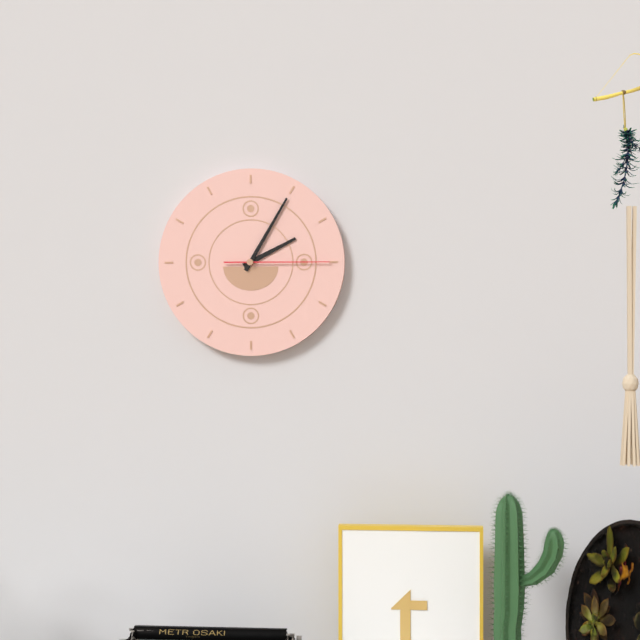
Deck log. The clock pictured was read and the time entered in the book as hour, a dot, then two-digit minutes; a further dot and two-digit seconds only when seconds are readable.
2.05.15
